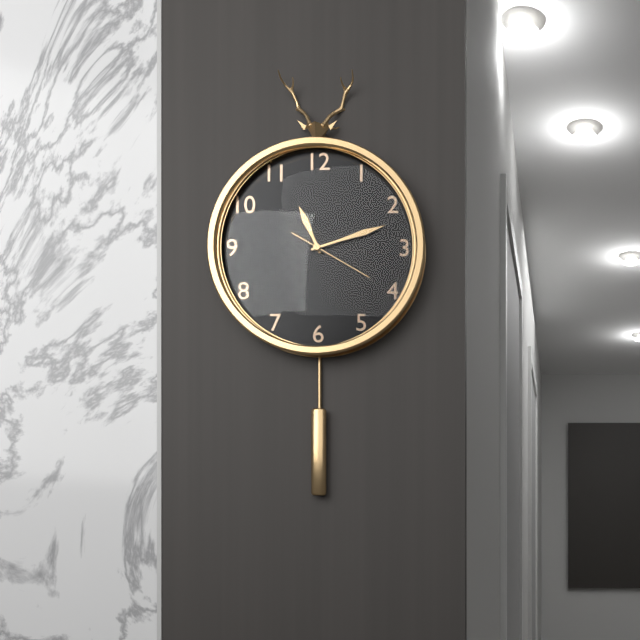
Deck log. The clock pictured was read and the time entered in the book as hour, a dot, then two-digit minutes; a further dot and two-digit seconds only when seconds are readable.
11.12.20
